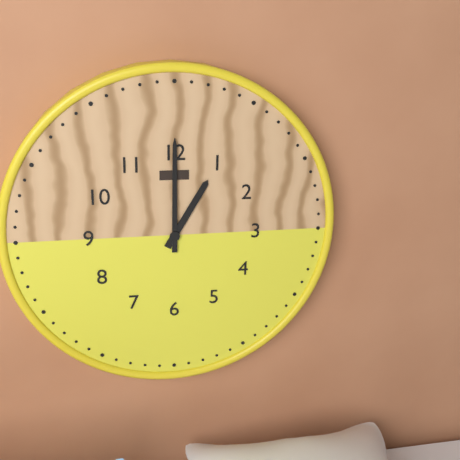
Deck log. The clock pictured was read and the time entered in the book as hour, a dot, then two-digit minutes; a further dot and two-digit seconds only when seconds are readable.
1.00
